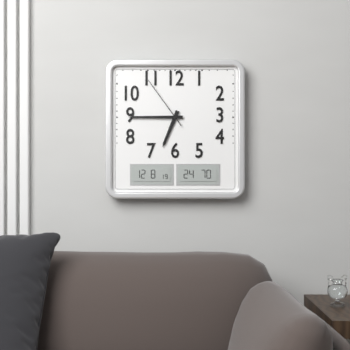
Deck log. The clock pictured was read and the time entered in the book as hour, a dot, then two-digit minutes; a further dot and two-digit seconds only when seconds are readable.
6.45.54
